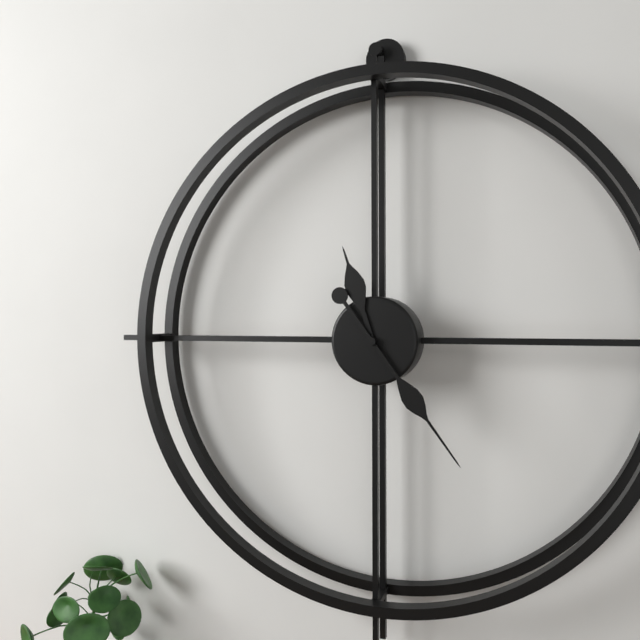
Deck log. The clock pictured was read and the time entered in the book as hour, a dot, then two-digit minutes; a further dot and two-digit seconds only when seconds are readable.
11.24
